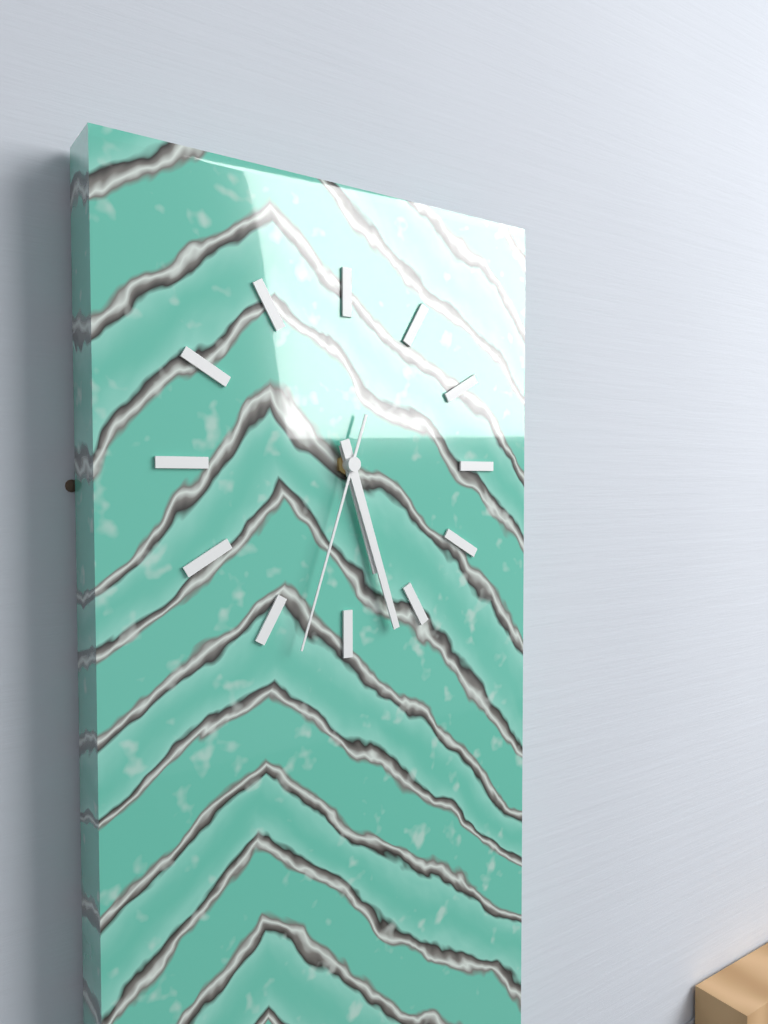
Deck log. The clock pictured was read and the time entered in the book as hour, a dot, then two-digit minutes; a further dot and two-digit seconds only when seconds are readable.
5.27.33
